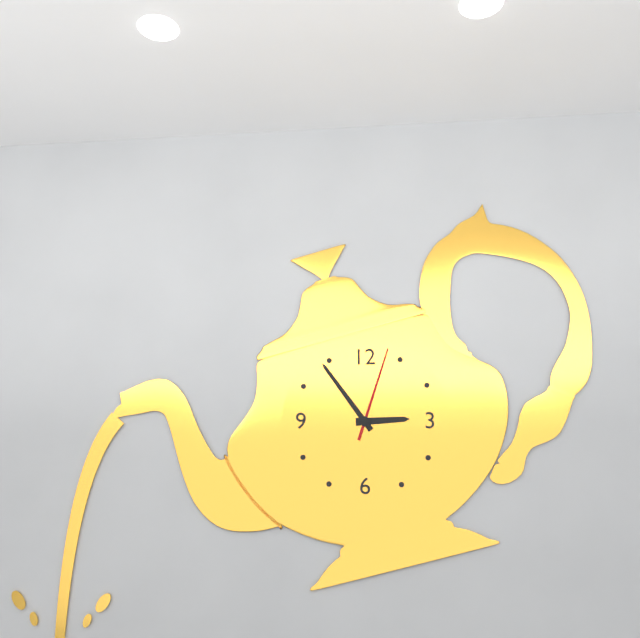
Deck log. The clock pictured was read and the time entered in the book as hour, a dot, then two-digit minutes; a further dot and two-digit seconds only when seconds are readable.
2.54.03
